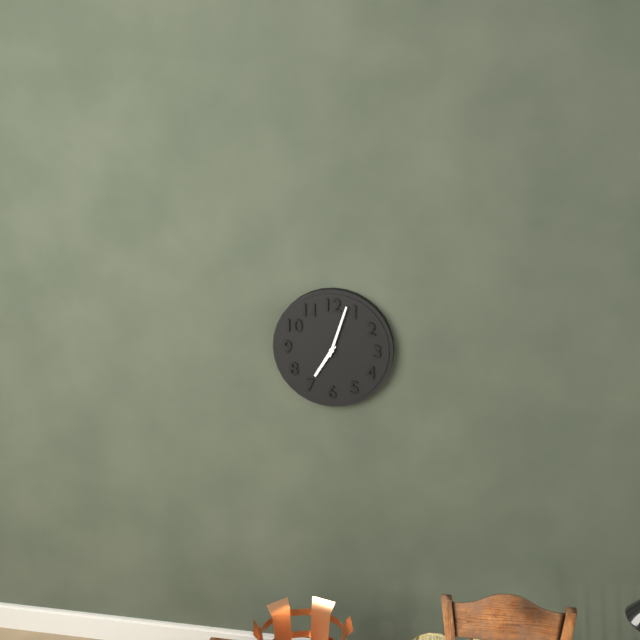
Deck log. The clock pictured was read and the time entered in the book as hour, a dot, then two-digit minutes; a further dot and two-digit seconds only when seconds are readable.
7.03
